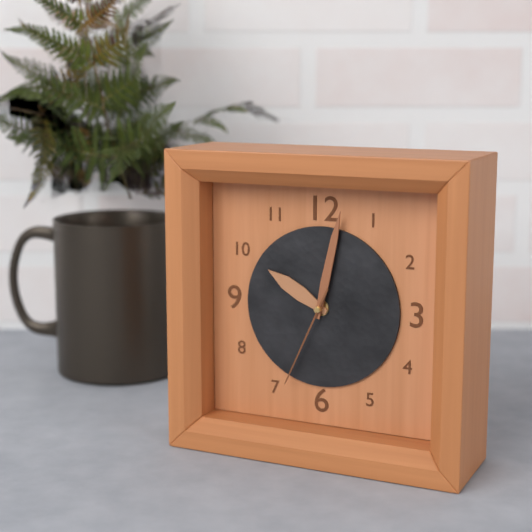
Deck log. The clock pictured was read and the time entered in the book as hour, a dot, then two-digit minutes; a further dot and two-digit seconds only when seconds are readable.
10.02.34
